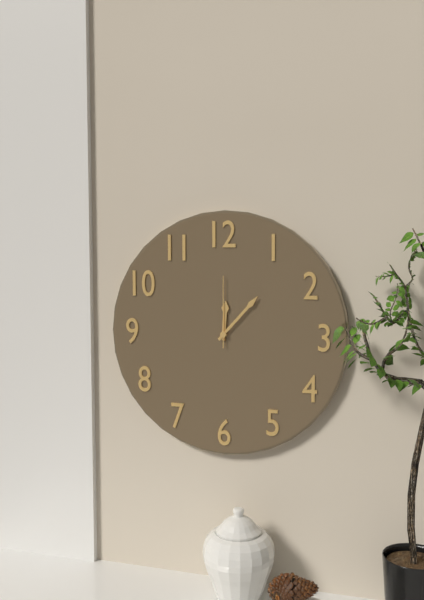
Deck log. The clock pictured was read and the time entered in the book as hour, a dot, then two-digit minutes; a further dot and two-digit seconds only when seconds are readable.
12.07.00
